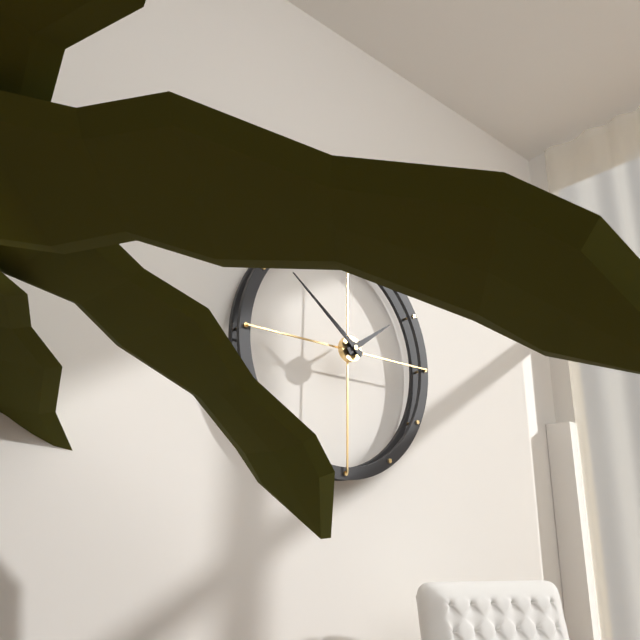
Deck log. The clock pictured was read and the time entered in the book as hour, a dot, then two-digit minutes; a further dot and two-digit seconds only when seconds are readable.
1.51
